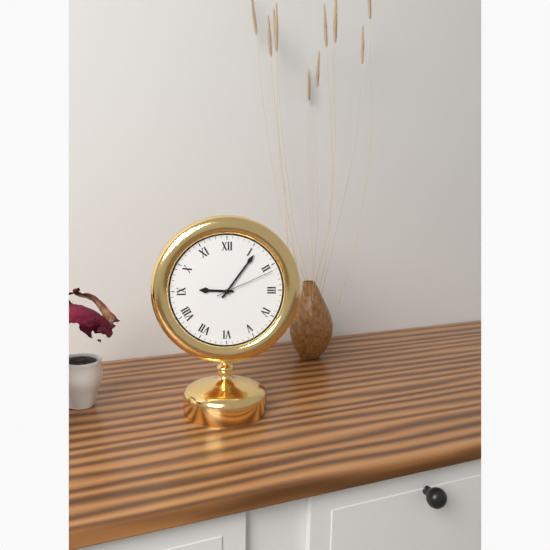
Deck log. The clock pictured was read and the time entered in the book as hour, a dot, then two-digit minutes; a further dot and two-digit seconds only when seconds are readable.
9.06.11
